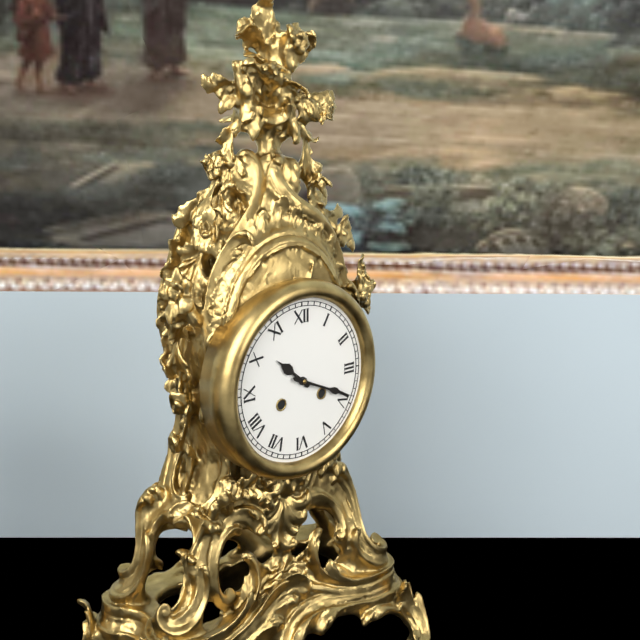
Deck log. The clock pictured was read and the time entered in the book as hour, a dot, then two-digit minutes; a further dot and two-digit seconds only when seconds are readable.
10.19
